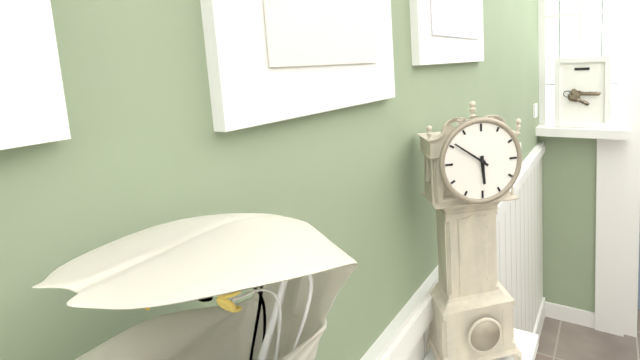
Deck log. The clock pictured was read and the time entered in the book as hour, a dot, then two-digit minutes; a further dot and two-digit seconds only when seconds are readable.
5.51
